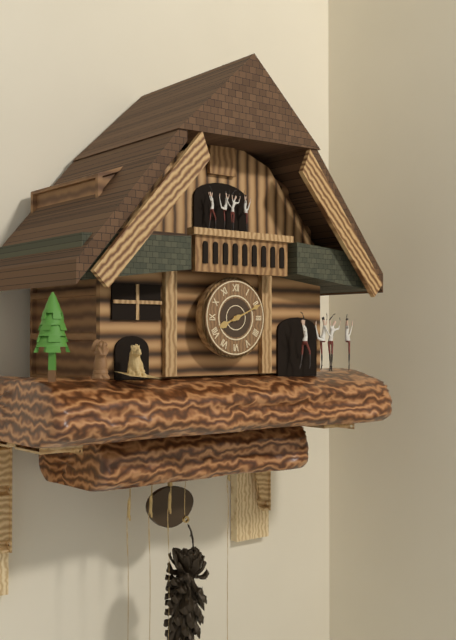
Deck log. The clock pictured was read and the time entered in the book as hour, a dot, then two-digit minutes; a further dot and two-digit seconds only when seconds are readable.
8.11
